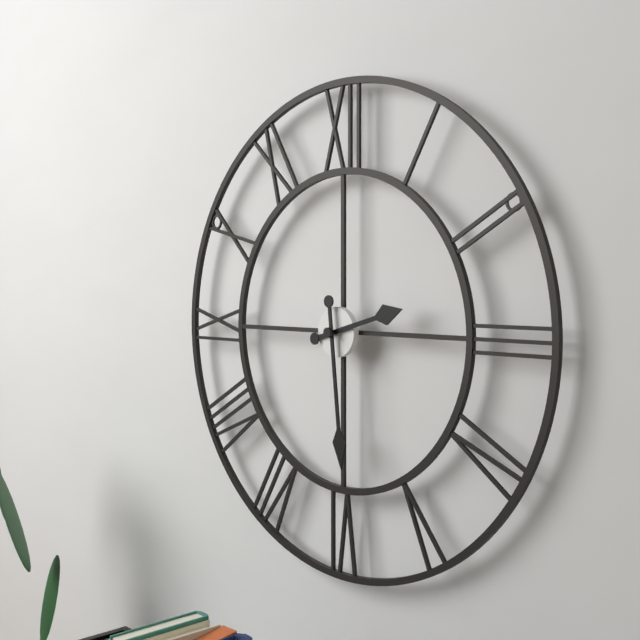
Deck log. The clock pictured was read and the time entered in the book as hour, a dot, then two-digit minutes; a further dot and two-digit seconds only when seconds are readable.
2.29
